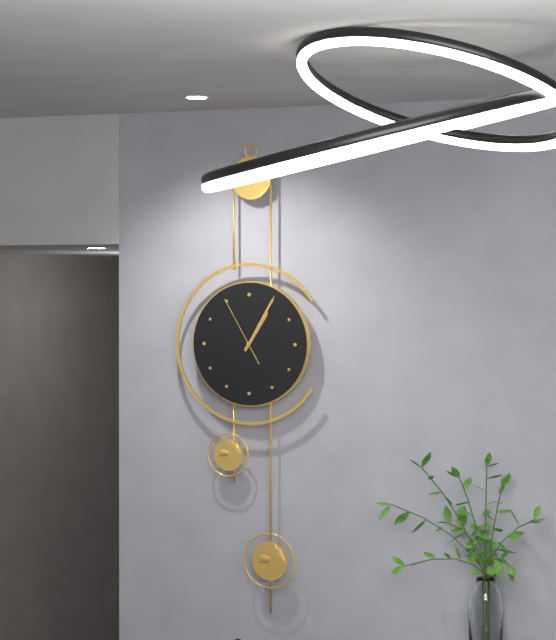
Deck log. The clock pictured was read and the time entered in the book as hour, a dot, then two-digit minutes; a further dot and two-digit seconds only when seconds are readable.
1.05.55
